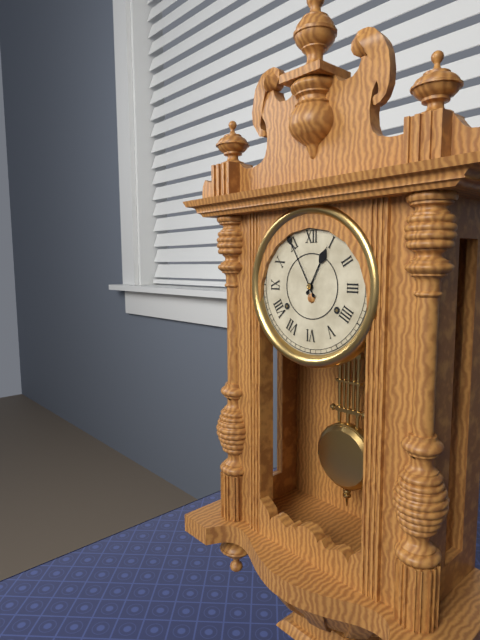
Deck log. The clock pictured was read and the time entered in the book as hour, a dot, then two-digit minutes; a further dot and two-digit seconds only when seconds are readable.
12.55
